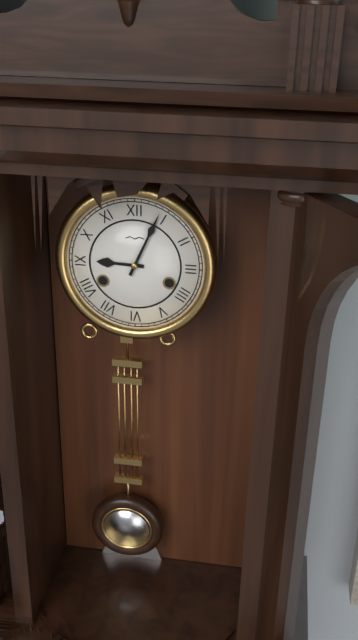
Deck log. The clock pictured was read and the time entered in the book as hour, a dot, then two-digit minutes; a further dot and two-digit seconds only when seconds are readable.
9.04
